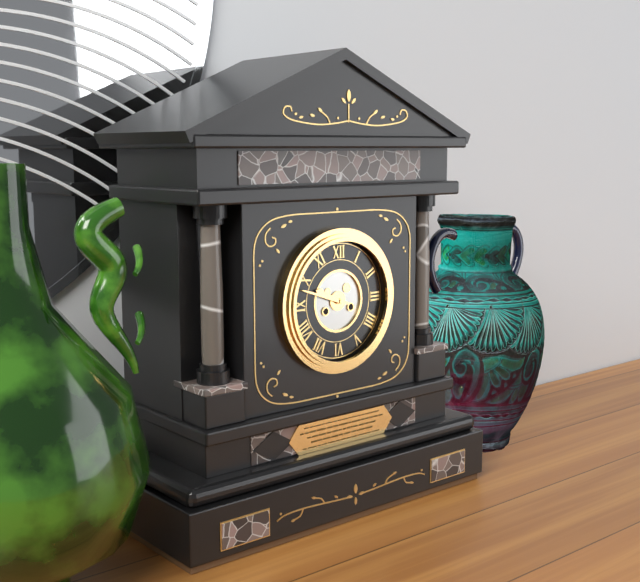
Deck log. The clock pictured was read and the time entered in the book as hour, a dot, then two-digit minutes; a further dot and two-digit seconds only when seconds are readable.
9.48
